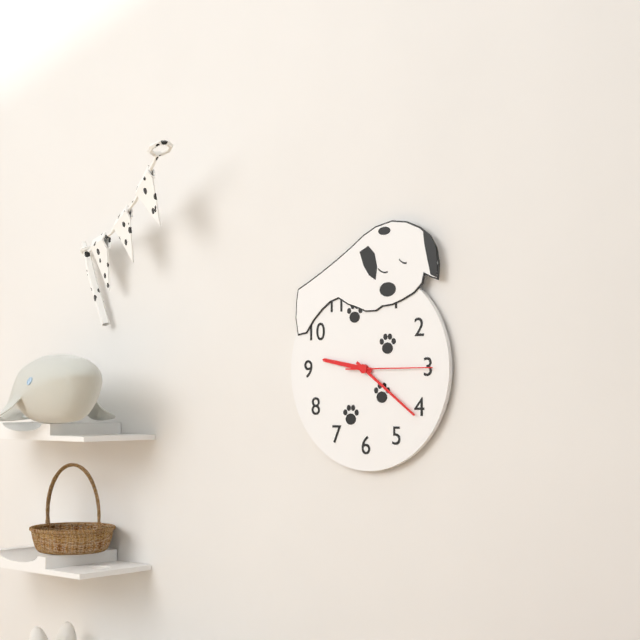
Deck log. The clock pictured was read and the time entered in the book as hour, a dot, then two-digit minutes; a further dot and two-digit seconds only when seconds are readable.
9.21.15
